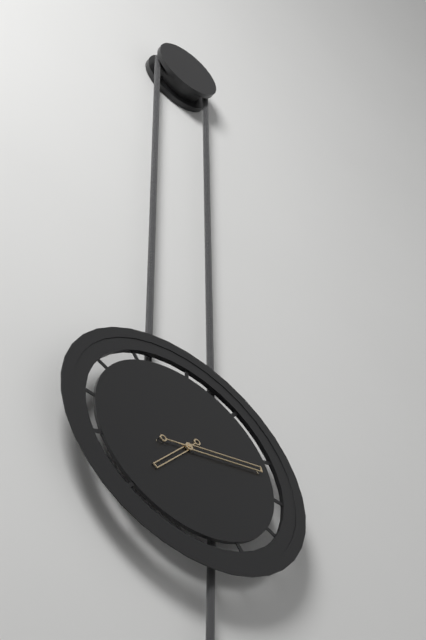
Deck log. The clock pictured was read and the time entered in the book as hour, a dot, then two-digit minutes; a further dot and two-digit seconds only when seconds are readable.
7.12
